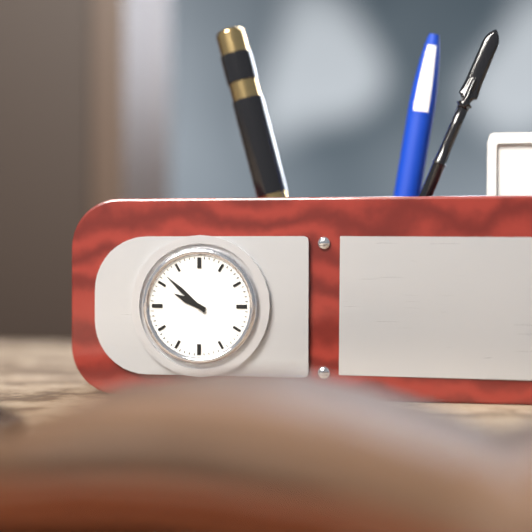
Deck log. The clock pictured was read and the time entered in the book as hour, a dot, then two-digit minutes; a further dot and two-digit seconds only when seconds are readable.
9.52
